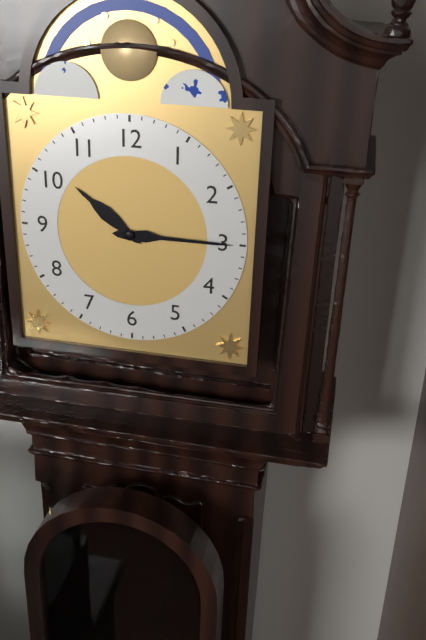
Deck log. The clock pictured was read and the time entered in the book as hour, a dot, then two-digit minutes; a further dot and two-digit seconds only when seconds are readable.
10.15
